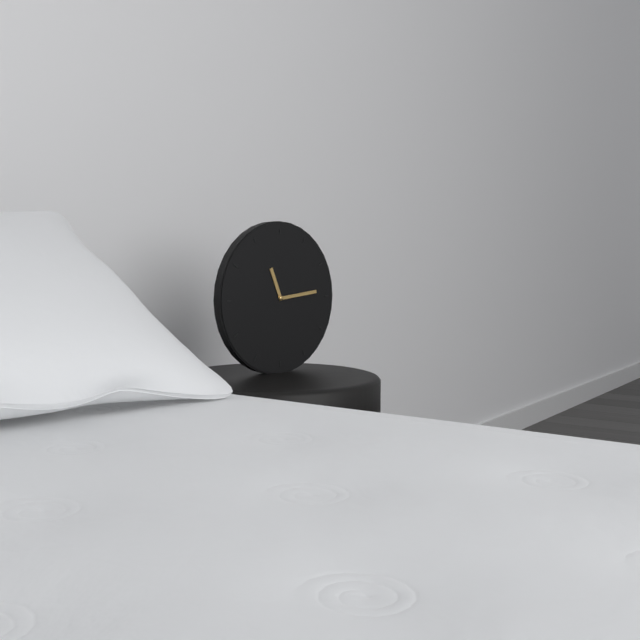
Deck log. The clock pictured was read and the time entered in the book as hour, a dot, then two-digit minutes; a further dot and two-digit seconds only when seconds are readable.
11.14
